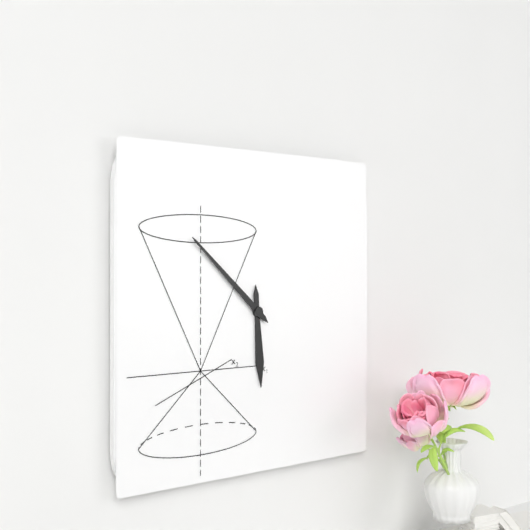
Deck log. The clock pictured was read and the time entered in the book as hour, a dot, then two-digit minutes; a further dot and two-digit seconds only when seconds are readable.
5.52
